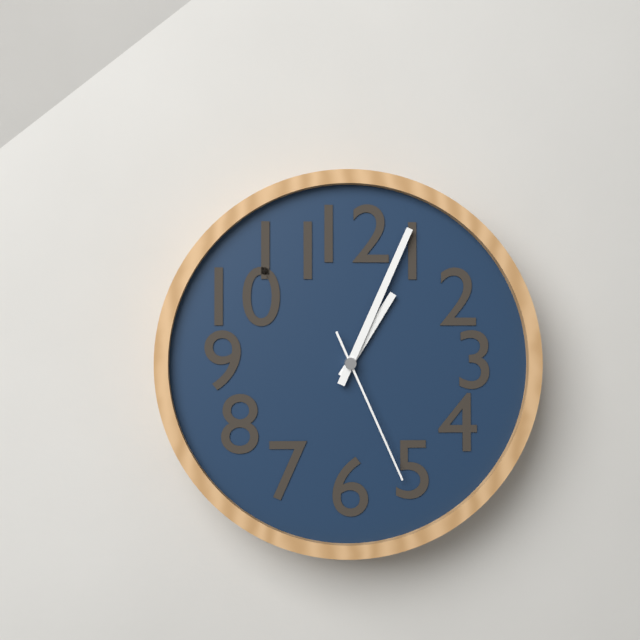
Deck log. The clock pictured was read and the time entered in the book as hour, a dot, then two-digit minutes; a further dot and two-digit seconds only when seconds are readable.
1.04.26
